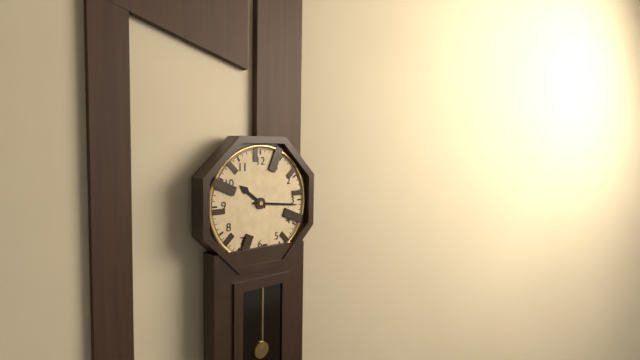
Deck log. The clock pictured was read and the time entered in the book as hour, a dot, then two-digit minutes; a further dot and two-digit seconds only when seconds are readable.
10.16
